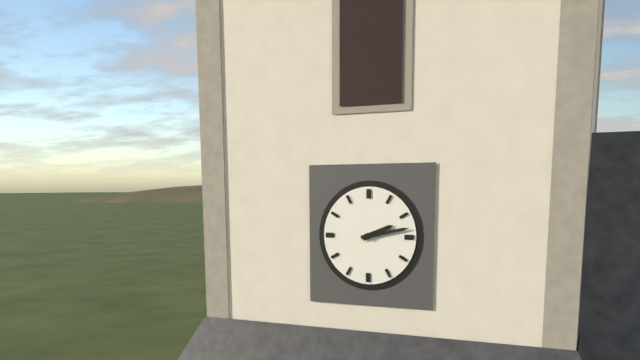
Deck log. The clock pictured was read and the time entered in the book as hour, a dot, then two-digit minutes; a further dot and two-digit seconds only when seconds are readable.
2.13
